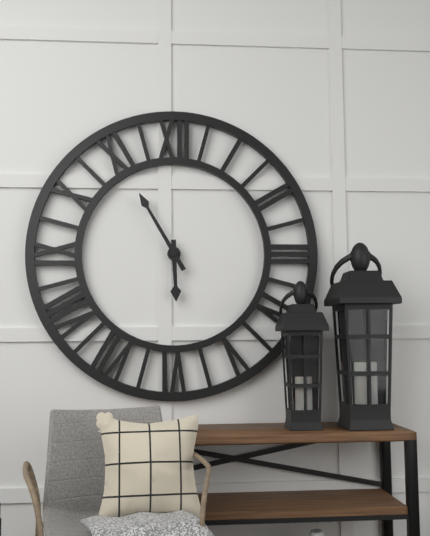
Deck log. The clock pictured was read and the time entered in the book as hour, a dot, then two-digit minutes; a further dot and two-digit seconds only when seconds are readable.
5.55
